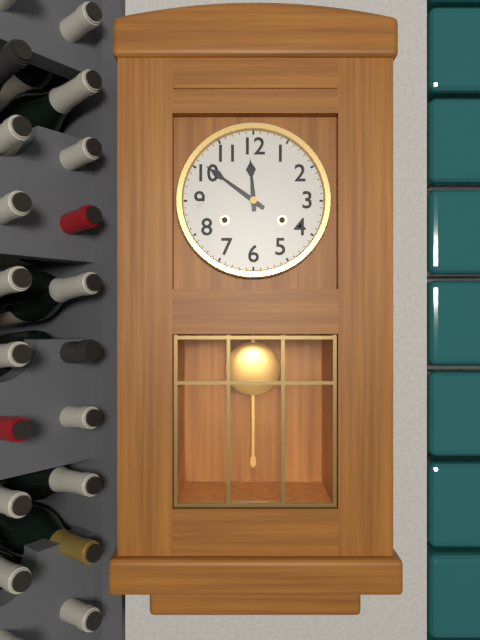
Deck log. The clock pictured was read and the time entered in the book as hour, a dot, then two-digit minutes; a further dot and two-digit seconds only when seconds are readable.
11.51
